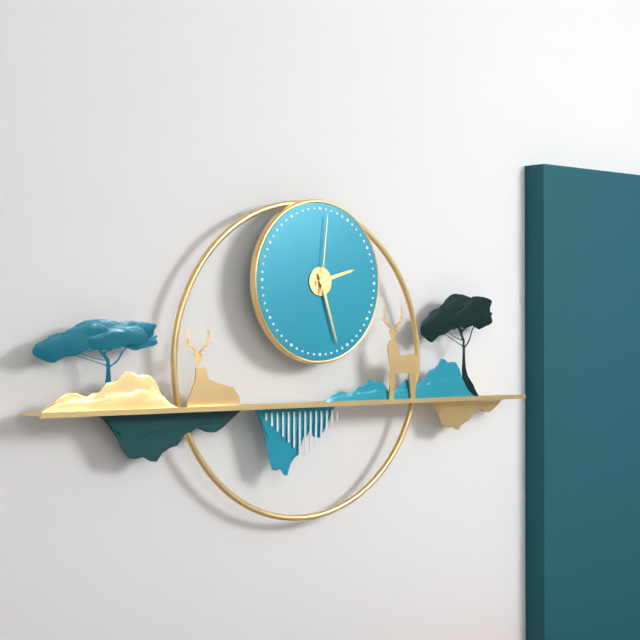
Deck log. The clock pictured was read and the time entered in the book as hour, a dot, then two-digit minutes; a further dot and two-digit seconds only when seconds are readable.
2.27.01
